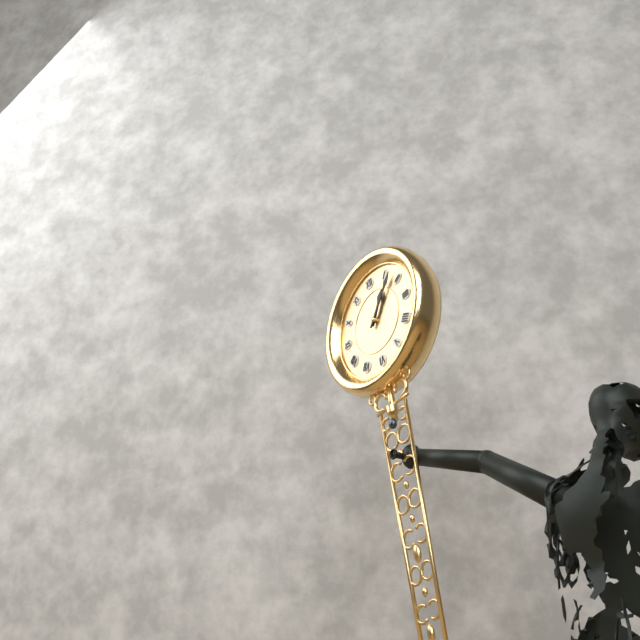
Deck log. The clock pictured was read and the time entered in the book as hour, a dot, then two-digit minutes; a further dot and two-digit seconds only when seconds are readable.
1.07
